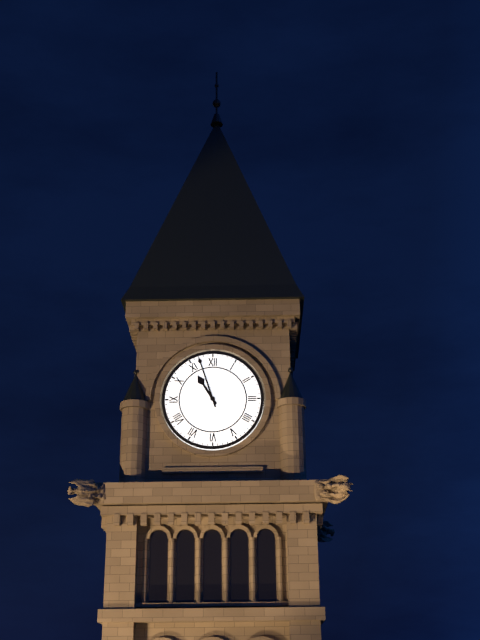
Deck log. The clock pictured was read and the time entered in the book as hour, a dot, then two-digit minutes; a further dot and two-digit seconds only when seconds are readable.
10.57
